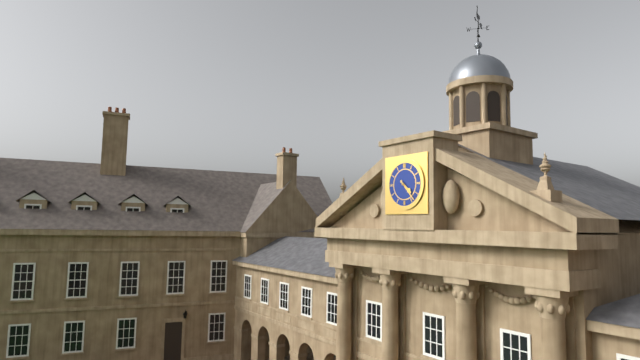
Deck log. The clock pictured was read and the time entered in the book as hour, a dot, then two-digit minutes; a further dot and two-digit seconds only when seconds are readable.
4.23
